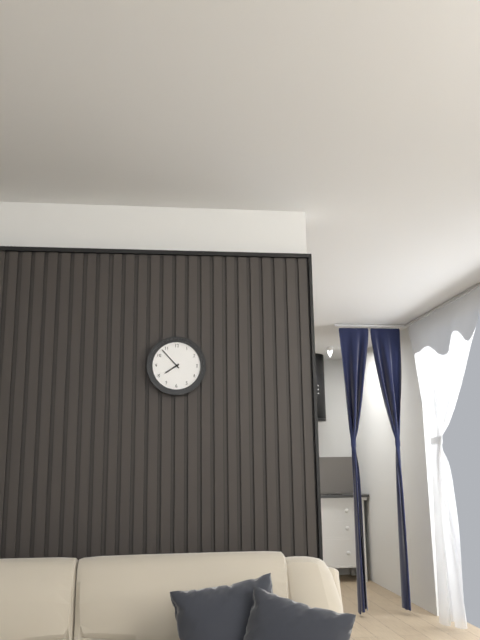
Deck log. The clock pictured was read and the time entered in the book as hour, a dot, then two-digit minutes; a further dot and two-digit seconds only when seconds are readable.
7.53
